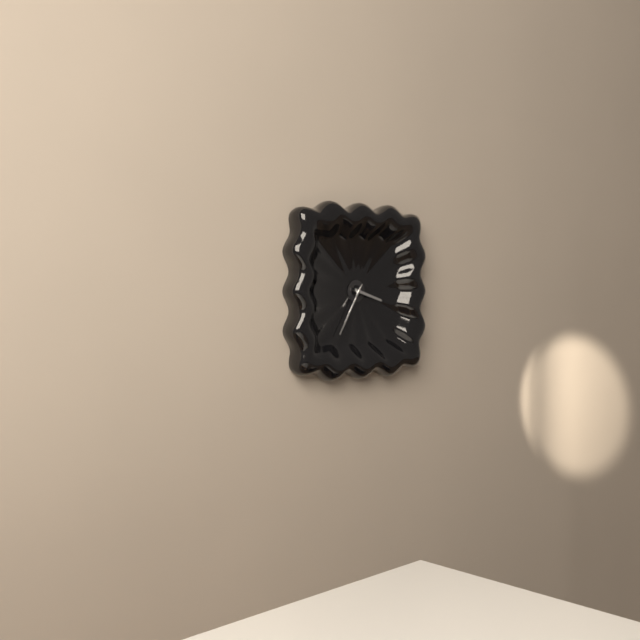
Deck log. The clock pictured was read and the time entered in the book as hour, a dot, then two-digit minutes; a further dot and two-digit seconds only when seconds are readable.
3.35
